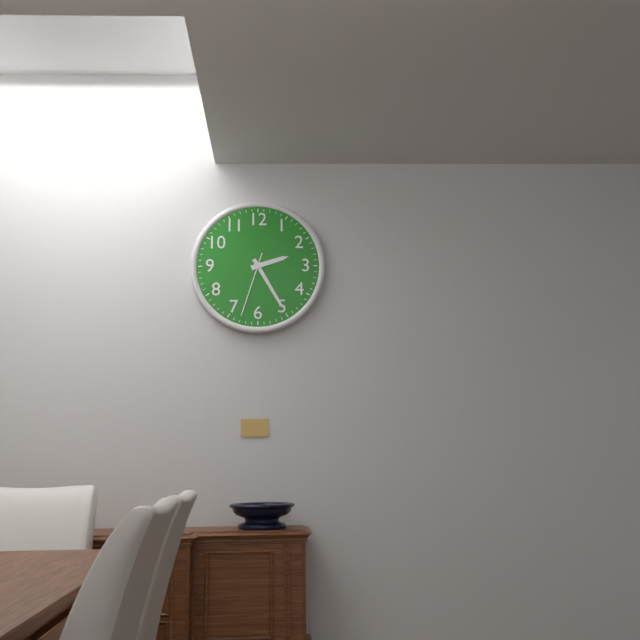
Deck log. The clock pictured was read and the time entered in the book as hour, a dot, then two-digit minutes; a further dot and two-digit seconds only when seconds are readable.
2.25.33
